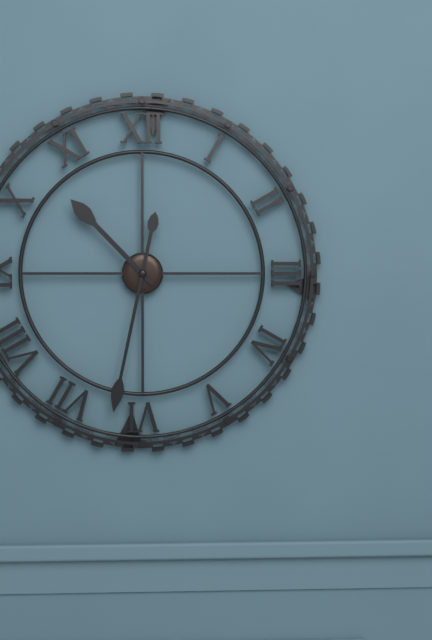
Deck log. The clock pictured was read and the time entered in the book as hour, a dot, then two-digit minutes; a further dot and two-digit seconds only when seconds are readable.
10.32
